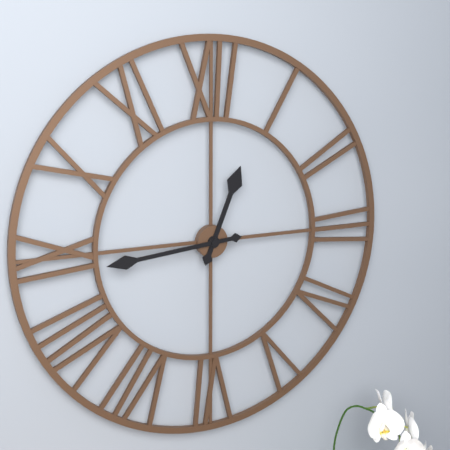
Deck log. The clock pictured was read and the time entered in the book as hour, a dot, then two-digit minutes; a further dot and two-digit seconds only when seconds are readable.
12.44
